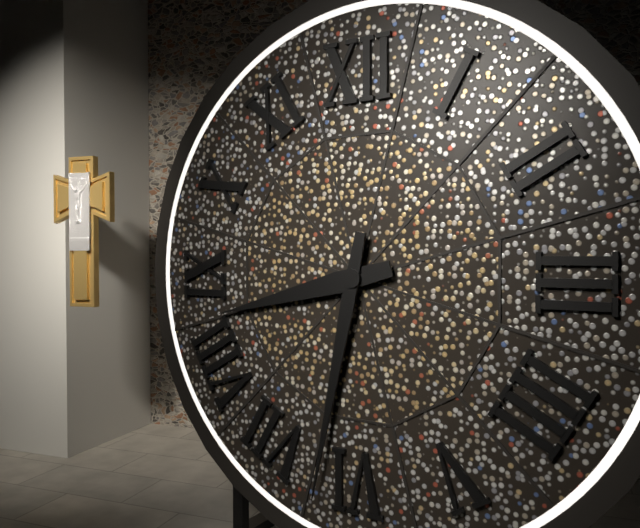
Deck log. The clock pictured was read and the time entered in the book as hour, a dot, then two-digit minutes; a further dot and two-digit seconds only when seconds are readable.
8.32
